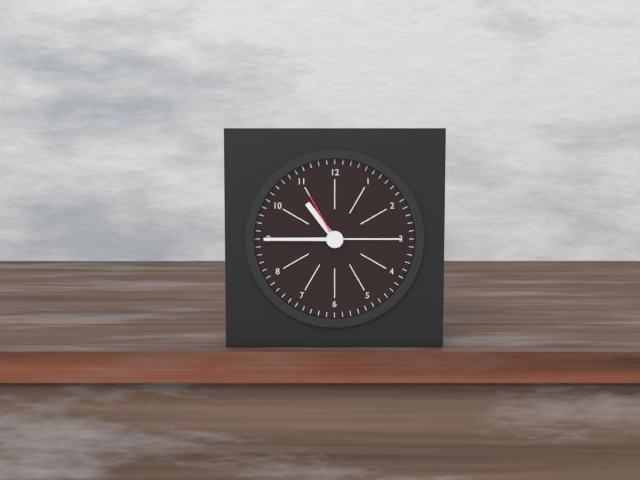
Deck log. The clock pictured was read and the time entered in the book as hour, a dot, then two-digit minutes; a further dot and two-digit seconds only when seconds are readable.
10.45.55
